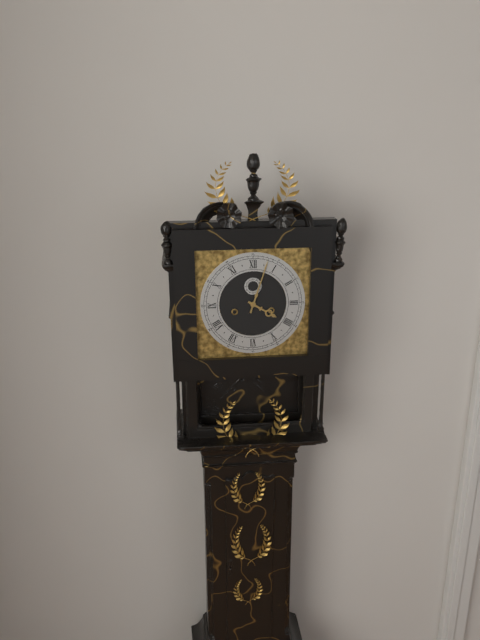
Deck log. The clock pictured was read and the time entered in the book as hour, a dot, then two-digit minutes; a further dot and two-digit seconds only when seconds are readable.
4.03
